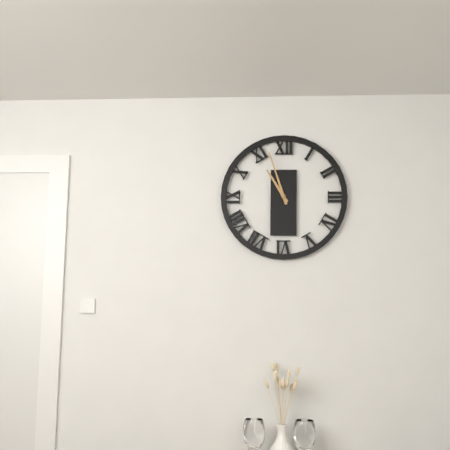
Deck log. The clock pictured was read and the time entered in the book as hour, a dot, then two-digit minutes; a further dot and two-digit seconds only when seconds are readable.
10.57
